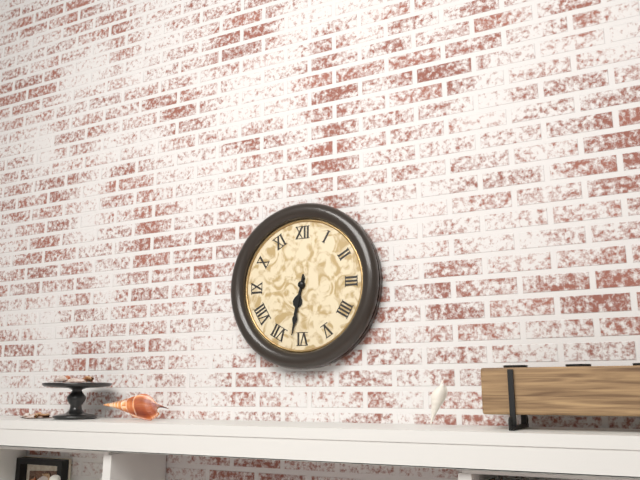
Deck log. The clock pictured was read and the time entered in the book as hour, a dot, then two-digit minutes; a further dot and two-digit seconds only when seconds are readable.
6.32
